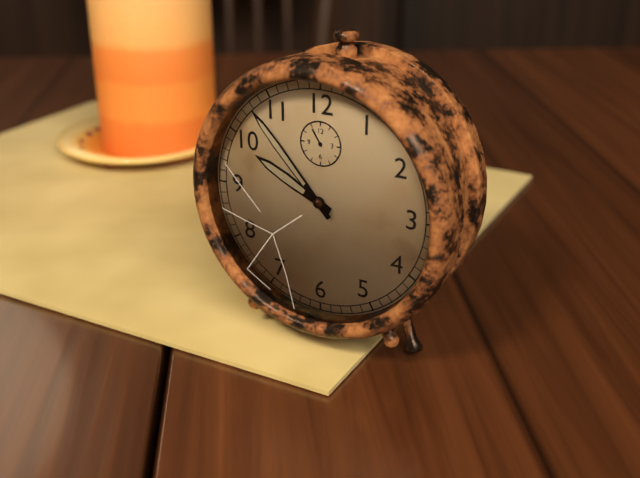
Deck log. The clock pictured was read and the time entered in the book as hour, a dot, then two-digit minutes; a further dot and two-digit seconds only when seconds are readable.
9.53
